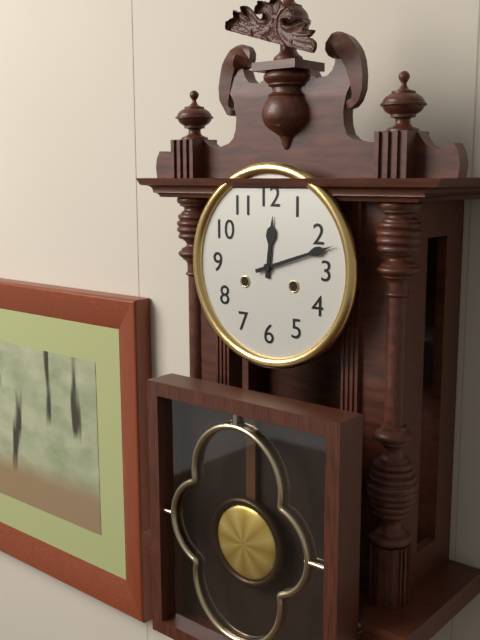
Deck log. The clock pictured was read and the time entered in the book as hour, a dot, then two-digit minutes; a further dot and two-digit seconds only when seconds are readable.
12.12
